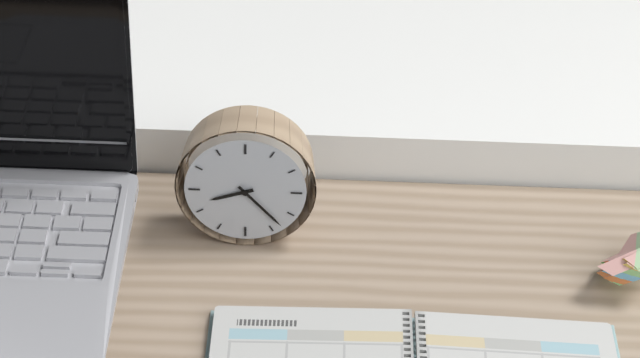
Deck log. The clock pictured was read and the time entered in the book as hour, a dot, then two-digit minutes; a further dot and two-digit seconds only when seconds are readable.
8.23
